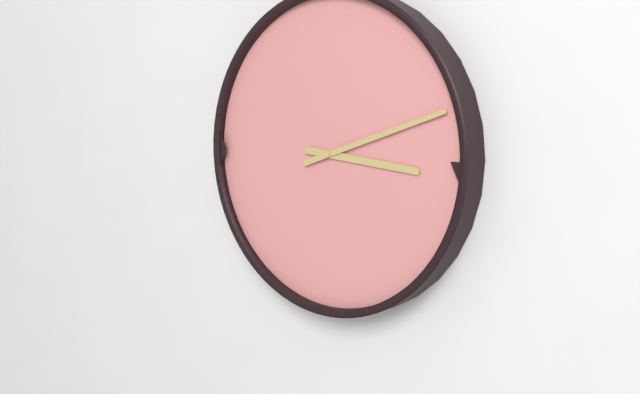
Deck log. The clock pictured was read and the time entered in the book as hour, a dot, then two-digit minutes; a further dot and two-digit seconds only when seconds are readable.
3.12
